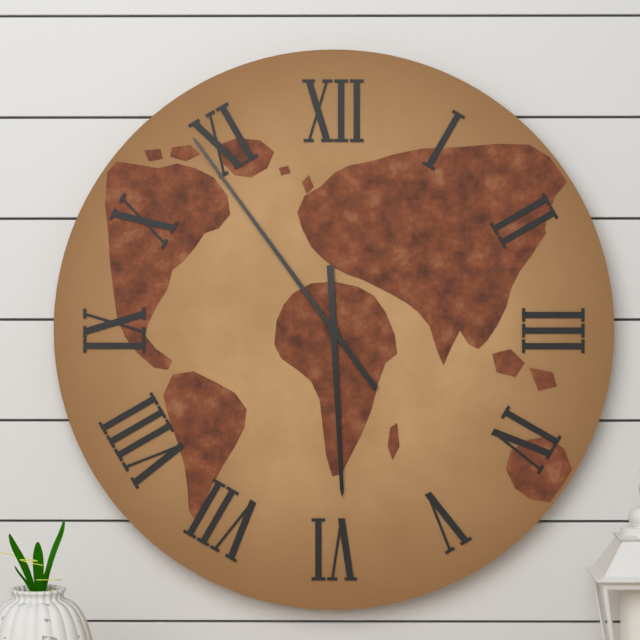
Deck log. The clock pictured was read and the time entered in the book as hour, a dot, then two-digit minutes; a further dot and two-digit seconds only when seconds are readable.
5.54
